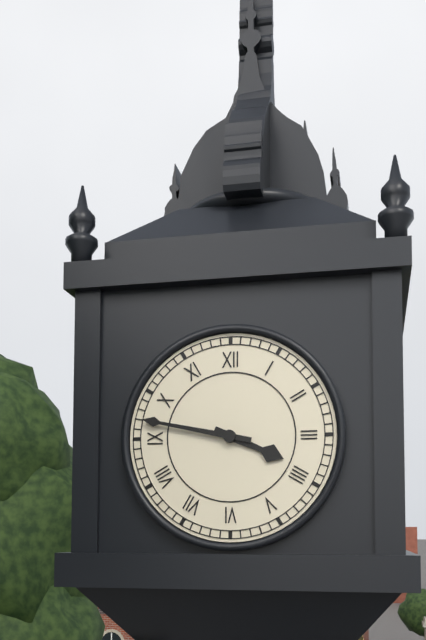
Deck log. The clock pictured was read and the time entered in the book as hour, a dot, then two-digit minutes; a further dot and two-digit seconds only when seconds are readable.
3.47
